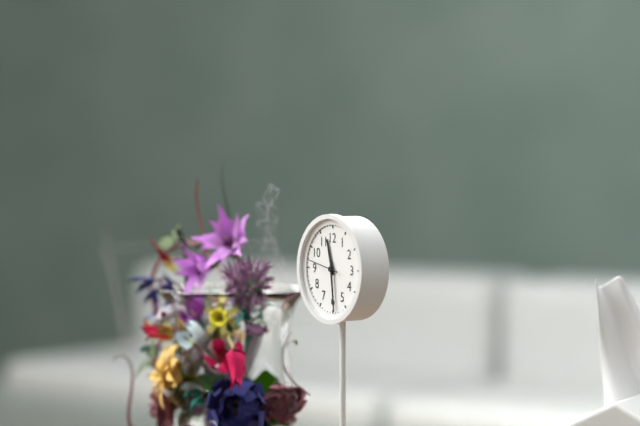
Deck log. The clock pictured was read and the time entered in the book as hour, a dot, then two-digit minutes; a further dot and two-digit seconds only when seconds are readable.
11.29
